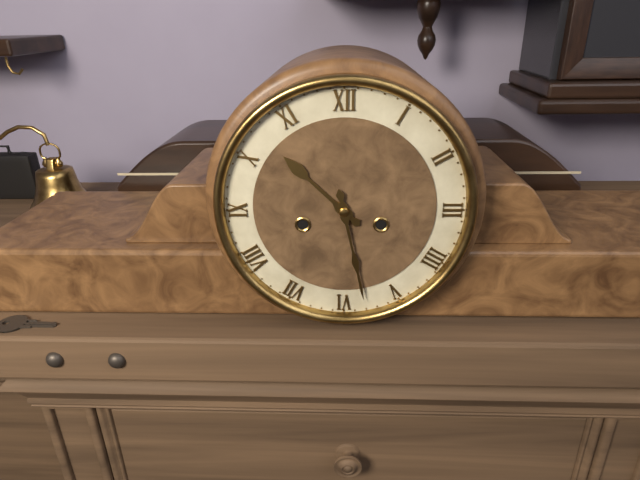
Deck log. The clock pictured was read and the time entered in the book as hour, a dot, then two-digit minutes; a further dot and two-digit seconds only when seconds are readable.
10.28
